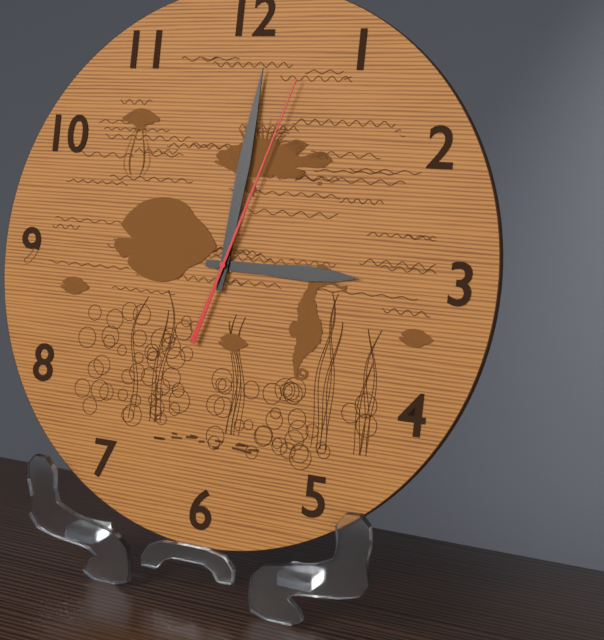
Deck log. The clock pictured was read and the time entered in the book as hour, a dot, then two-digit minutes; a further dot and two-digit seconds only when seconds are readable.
3.01.03
